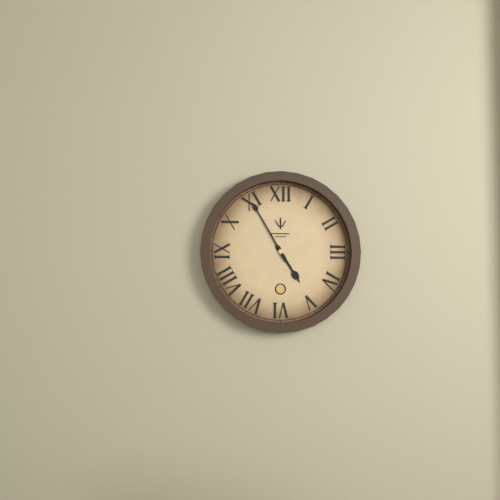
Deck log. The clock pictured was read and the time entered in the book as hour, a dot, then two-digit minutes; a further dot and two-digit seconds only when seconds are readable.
4.55
